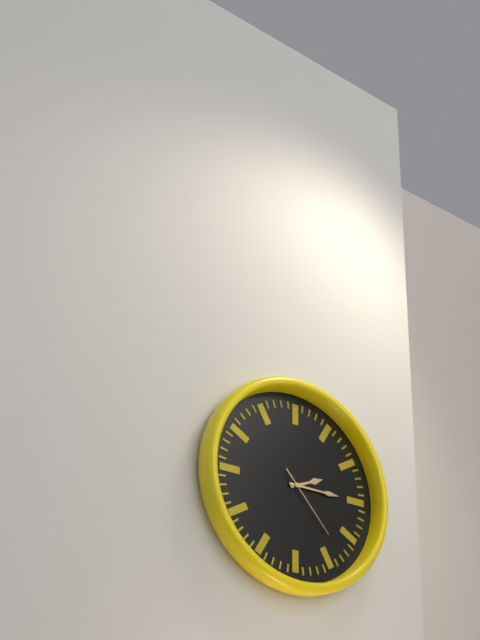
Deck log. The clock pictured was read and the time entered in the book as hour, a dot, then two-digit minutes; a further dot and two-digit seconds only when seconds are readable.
2.15.23
